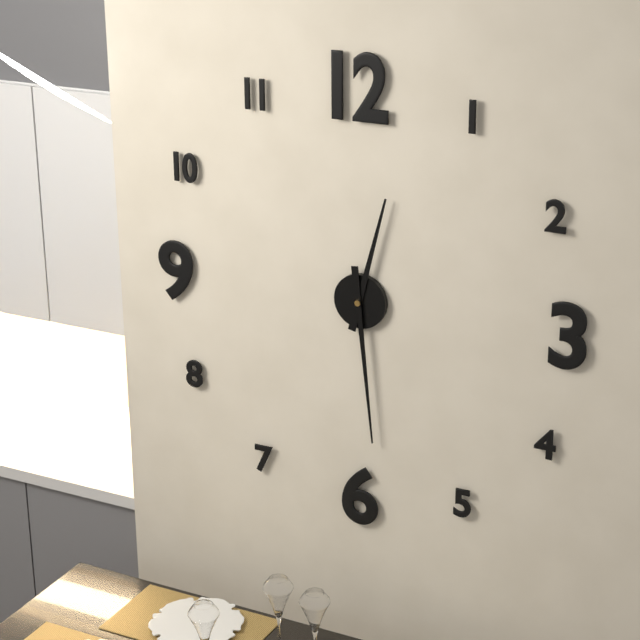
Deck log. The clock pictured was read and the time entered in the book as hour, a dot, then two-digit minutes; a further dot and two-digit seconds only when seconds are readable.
12.29
